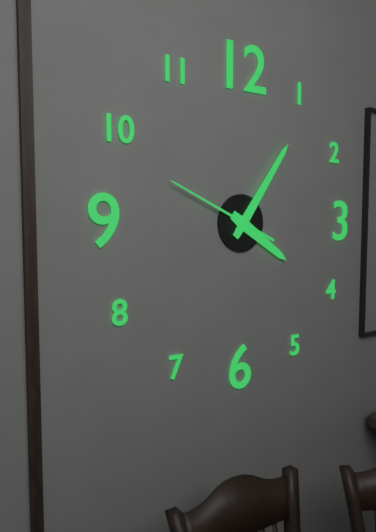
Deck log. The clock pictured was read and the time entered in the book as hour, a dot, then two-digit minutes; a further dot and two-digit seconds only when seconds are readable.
4.06.49
